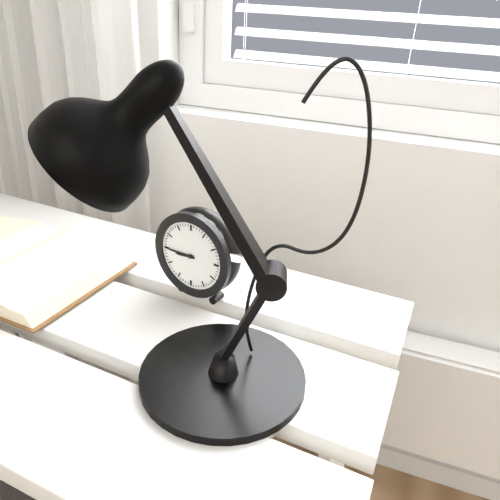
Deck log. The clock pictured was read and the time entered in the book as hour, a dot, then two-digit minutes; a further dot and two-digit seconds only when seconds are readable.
8.45
